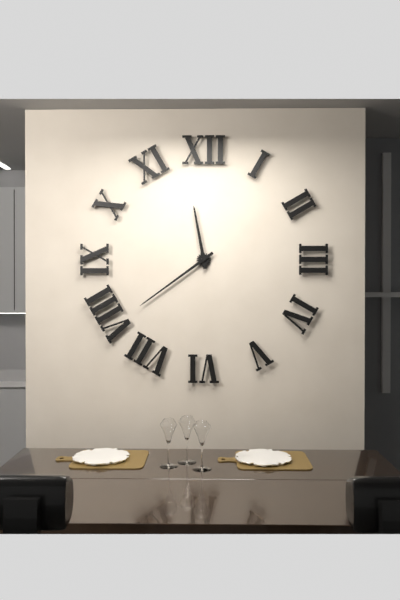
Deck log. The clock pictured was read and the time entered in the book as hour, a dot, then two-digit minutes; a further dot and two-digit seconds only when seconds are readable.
11.39
